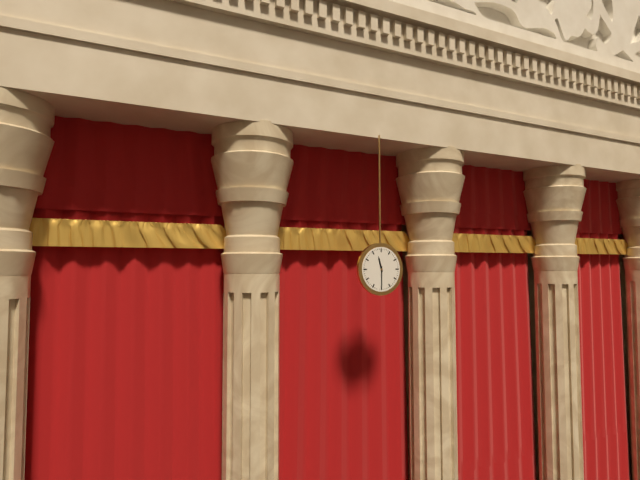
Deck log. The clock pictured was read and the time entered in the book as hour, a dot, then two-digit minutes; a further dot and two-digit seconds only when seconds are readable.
11.30
